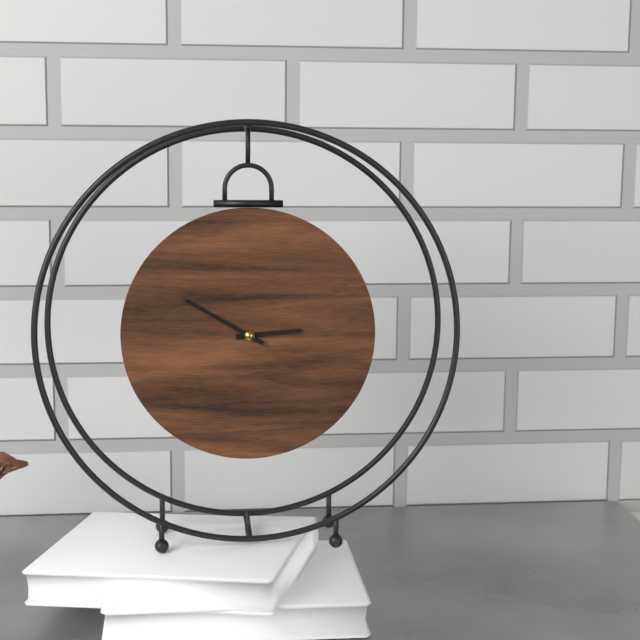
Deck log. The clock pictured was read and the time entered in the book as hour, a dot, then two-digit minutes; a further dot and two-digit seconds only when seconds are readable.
2.50
